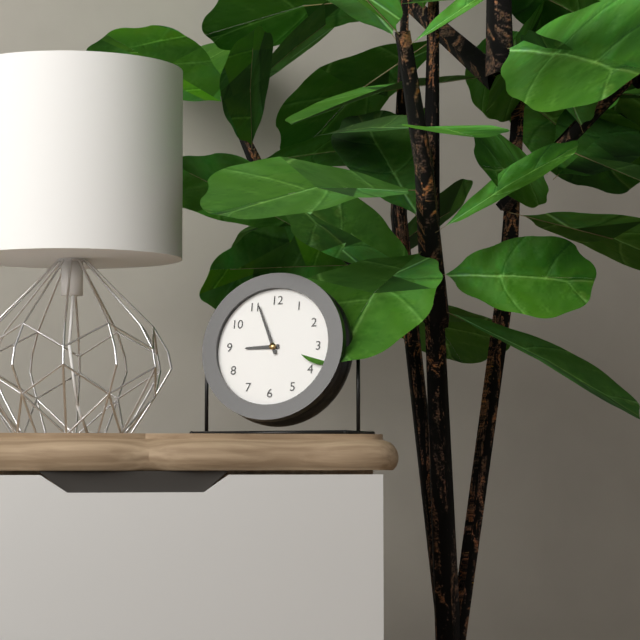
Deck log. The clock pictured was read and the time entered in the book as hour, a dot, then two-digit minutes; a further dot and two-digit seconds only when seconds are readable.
8.56
